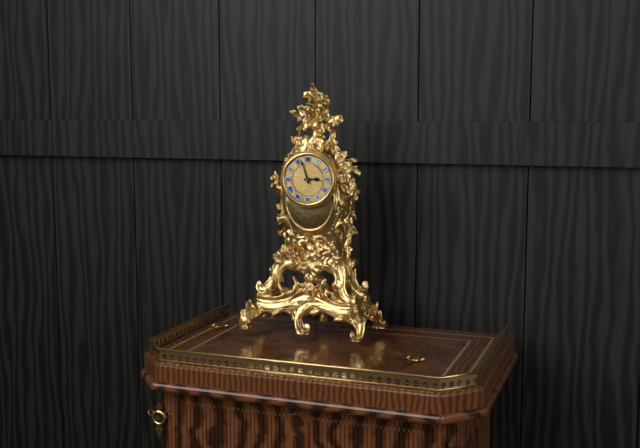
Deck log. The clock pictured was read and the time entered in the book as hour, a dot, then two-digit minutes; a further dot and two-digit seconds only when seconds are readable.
2.57
